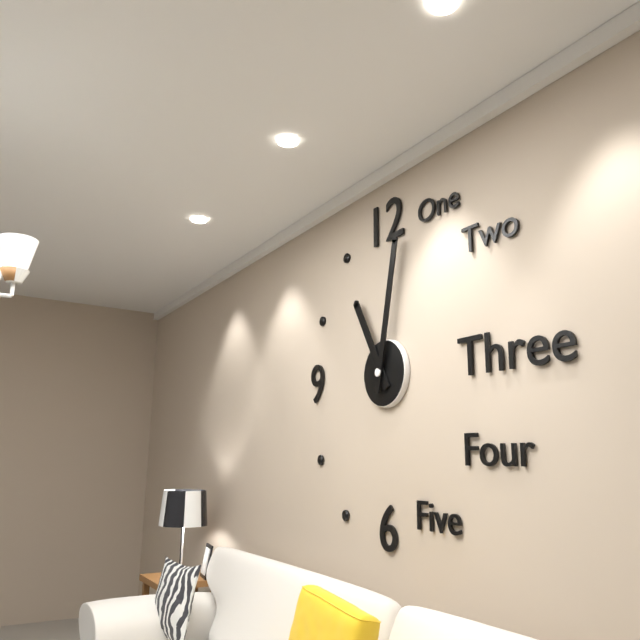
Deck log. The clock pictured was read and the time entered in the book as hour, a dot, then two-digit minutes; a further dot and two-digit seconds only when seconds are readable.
11.02
